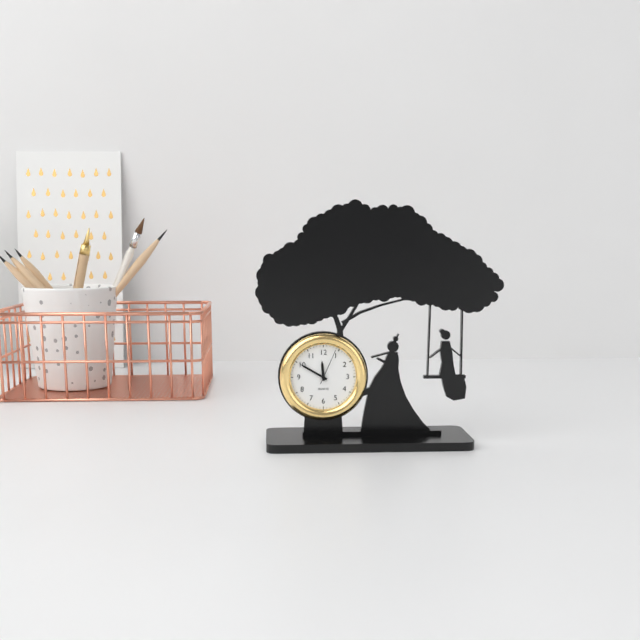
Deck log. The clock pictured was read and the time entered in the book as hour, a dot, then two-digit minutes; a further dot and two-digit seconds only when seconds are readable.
11.50
